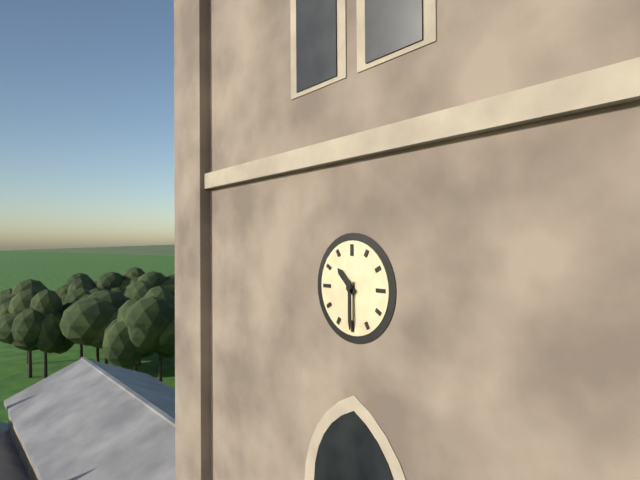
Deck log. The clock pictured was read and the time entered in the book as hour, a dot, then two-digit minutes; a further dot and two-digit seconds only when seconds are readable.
10.30
